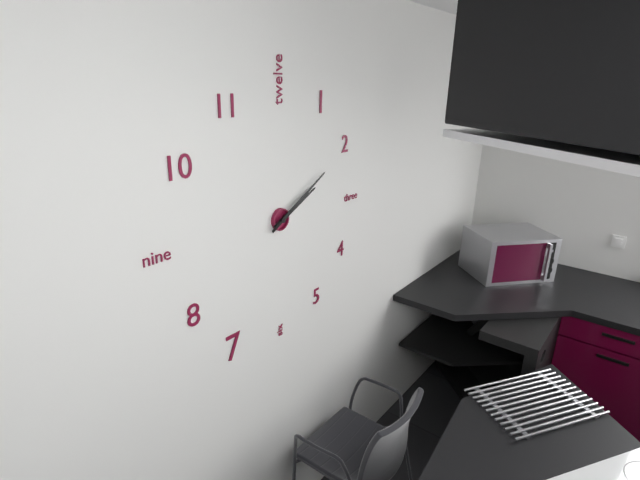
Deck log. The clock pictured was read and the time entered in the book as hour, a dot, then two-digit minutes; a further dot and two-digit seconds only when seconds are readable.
2.10
